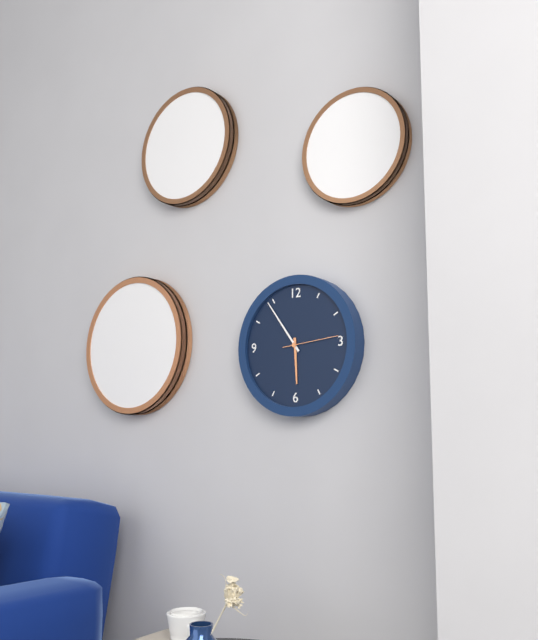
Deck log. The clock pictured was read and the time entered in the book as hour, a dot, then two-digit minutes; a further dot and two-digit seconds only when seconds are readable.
5.54.14
